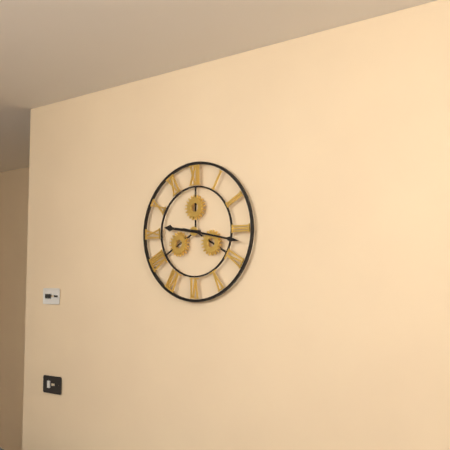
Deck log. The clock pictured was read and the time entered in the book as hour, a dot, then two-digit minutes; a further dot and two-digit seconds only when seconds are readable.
9.17
